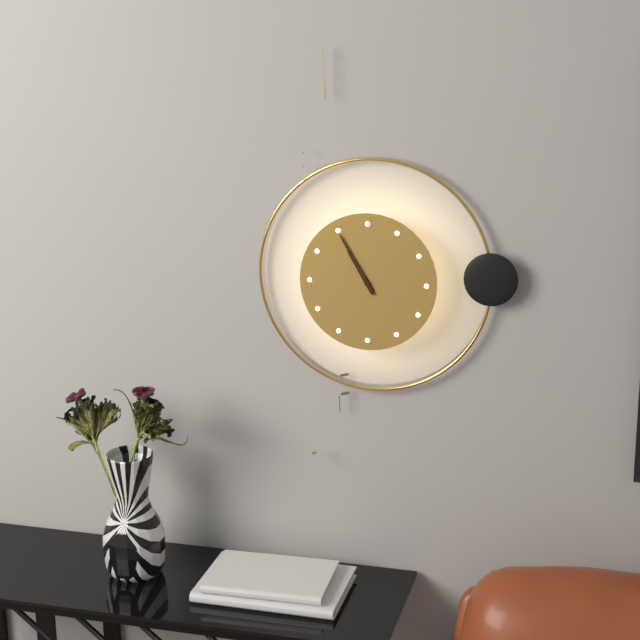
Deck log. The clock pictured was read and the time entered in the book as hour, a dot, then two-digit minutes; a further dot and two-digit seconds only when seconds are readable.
10.55
